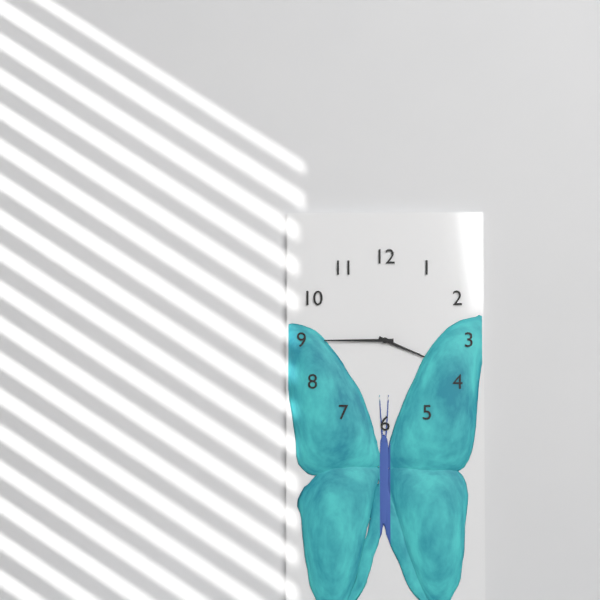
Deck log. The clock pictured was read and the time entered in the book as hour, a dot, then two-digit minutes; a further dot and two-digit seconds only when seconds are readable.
3.45
